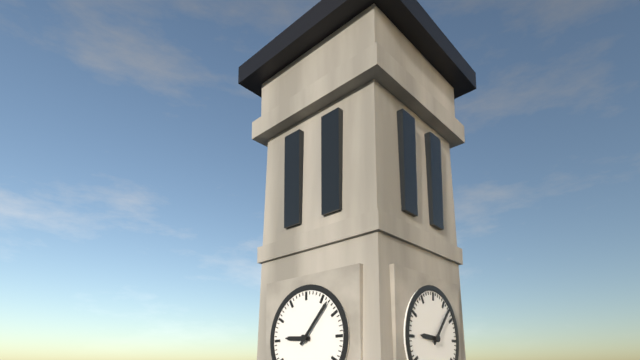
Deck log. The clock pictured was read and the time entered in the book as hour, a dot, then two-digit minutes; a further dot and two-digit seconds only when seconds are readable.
9.07
